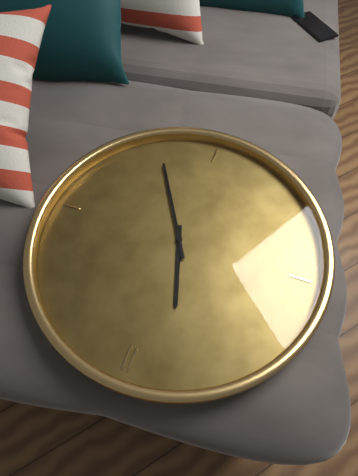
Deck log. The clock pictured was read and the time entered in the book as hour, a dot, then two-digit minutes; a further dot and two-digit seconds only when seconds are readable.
11.25
